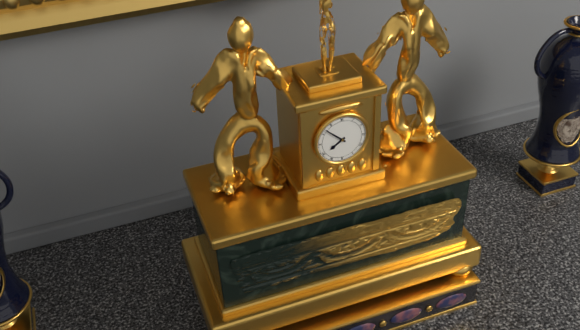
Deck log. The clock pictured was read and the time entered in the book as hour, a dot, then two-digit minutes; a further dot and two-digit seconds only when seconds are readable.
7.52
